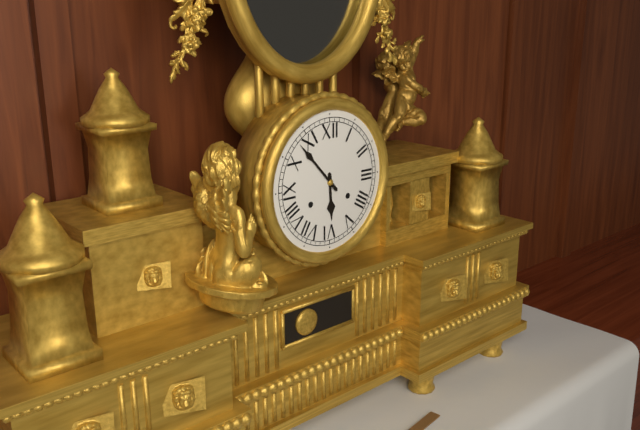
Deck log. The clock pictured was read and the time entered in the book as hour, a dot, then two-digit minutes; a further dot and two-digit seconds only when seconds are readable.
5.53
